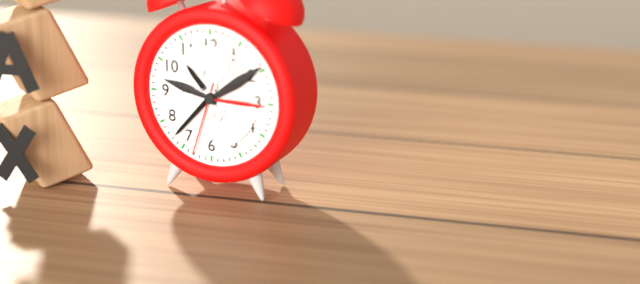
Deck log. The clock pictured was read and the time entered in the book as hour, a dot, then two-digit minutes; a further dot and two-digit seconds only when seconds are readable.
10.37.33
